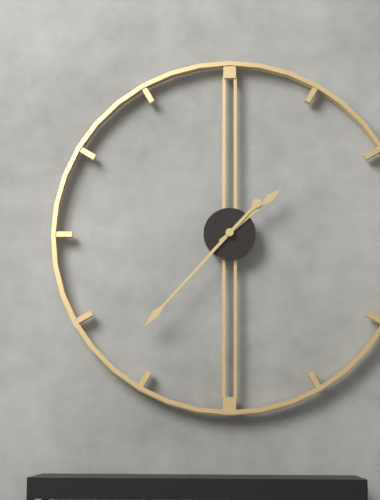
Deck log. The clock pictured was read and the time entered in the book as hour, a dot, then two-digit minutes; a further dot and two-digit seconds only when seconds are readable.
1.37
